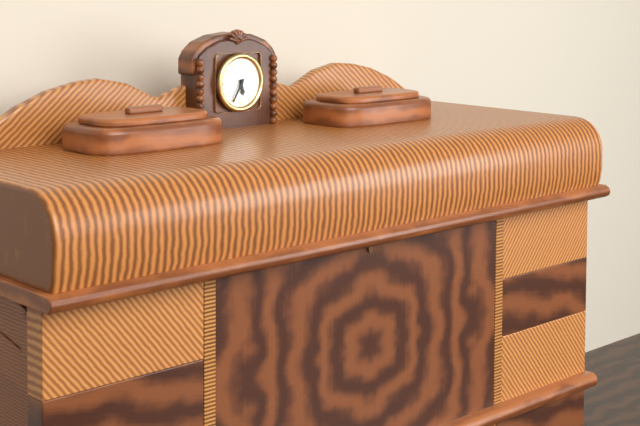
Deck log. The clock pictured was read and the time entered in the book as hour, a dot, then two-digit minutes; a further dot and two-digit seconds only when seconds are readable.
5.35
